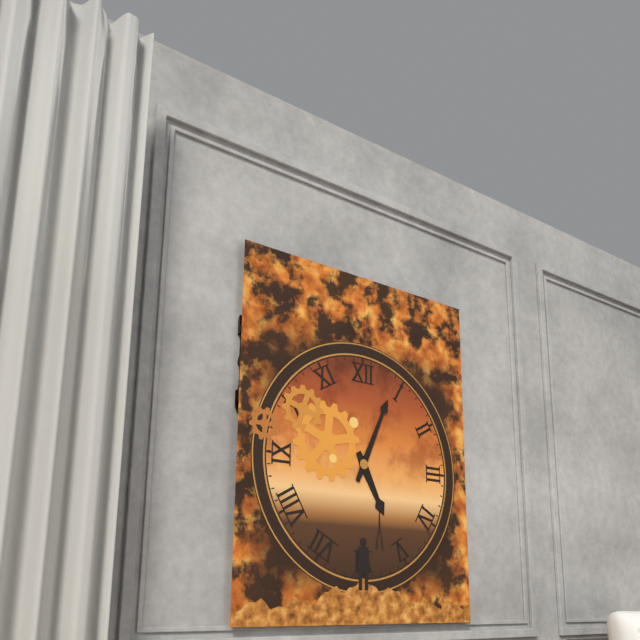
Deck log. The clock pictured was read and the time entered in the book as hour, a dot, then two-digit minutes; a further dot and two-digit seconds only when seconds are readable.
5.04
